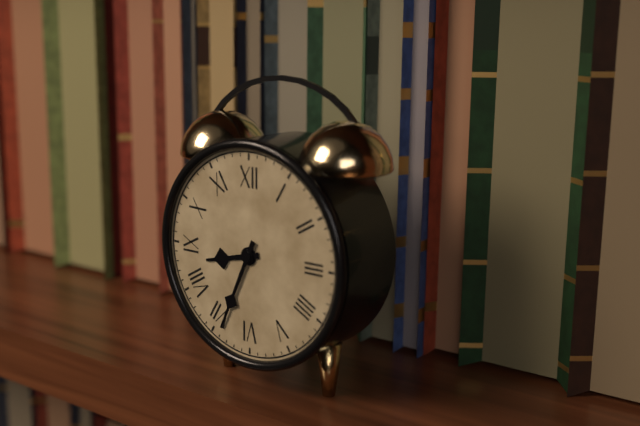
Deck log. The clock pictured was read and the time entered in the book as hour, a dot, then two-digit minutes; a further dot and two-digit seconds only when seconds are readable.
8.34
